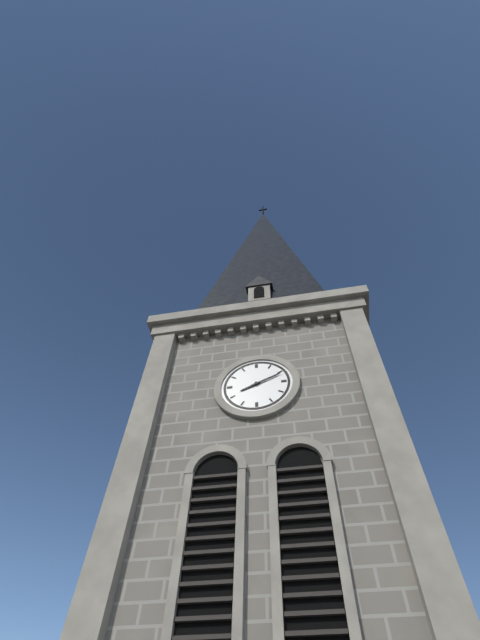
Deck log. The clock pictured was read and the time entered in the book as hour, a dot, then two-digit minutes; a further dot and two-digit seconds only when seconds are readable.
8.11
